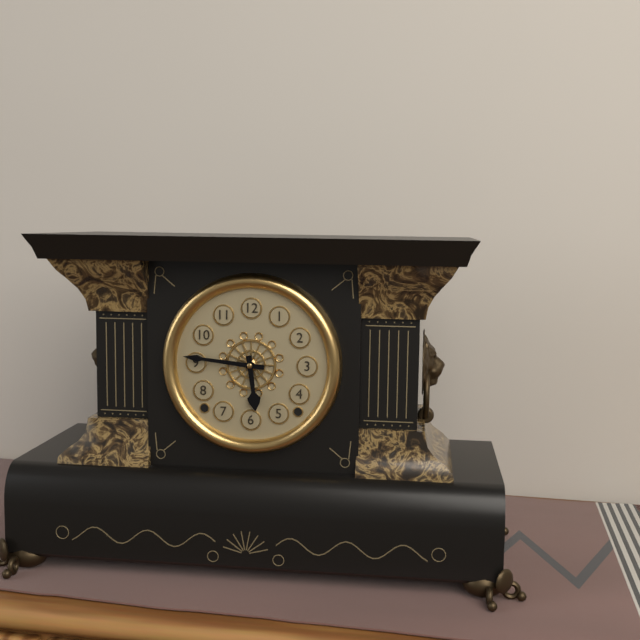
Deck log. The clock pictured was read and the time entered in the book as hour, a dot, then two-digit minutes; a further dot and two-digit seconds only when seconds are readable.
5.46
